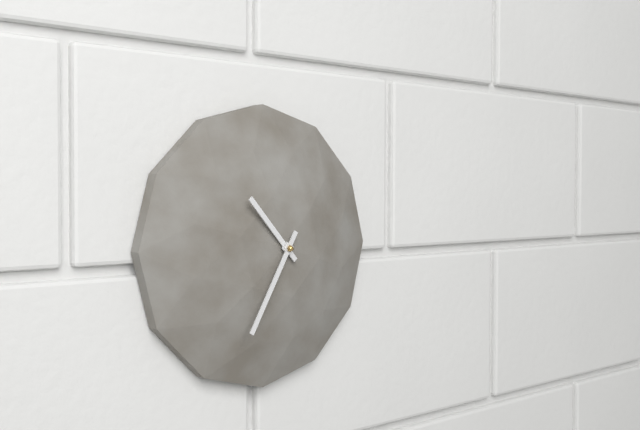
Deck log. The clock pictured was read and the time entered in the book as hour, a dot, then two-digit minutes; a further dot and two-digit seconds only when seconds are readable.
10.35
